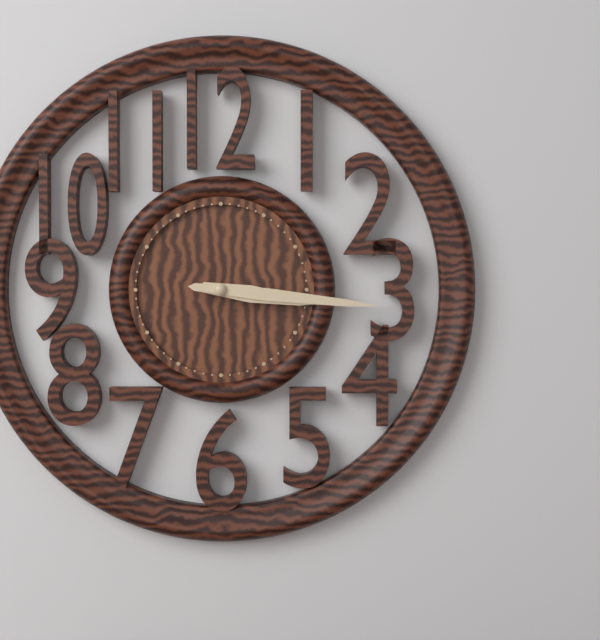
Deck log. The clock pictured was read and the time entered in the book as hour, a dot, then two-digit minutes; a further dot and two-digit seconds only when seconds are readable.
3.16
